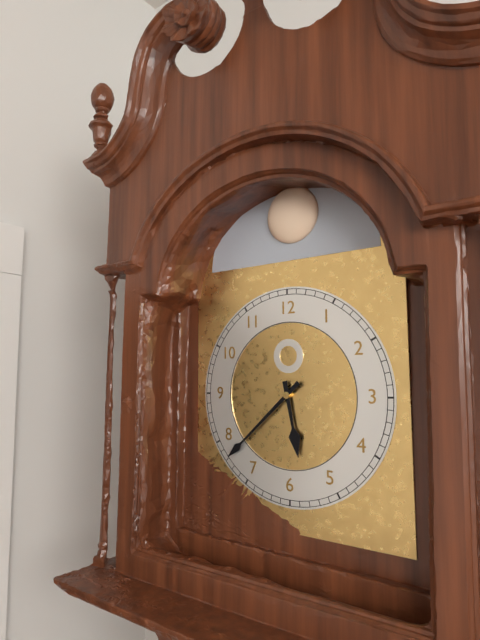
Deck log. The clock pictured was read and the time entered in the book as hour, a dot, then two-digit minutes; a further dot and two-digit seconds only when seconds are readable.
5.38
